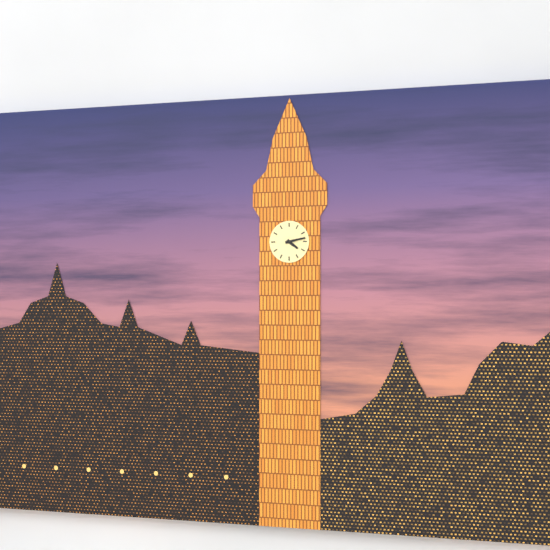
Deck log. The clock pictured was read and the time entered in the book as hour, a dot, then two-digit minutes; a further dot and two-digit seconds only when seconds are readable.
4.13
